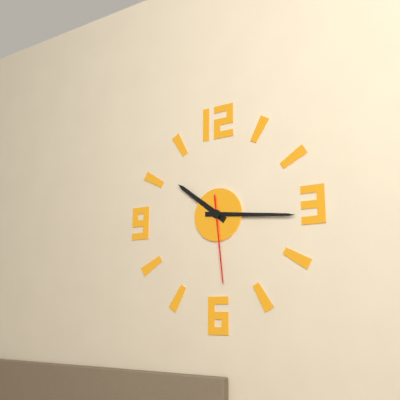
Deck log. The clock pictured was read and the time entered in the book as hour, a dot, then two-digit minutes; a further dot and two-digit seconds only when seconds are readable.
10.16.29
